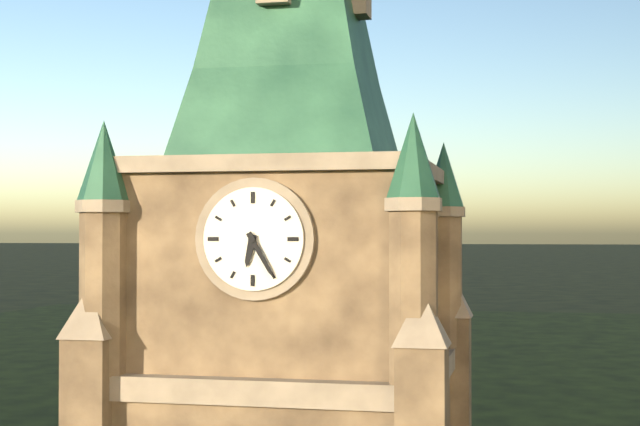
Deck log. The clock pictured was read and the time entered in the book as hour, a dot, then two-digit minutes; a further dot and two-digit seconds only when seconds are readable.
6.25
